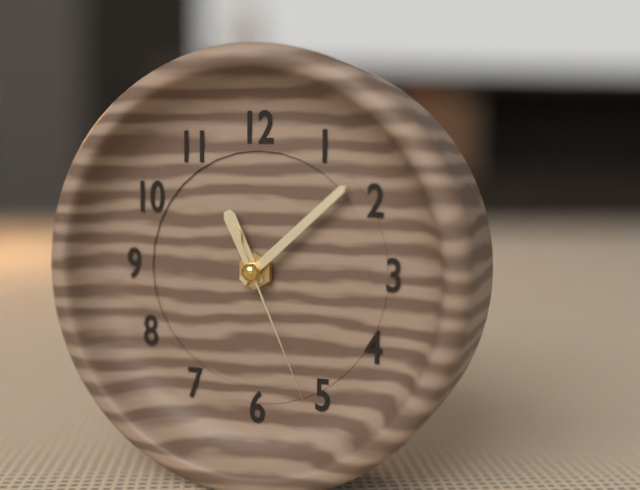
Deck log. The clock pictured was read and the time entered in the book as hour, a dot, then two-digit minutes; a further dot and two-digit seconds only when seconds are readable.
11.08.26
